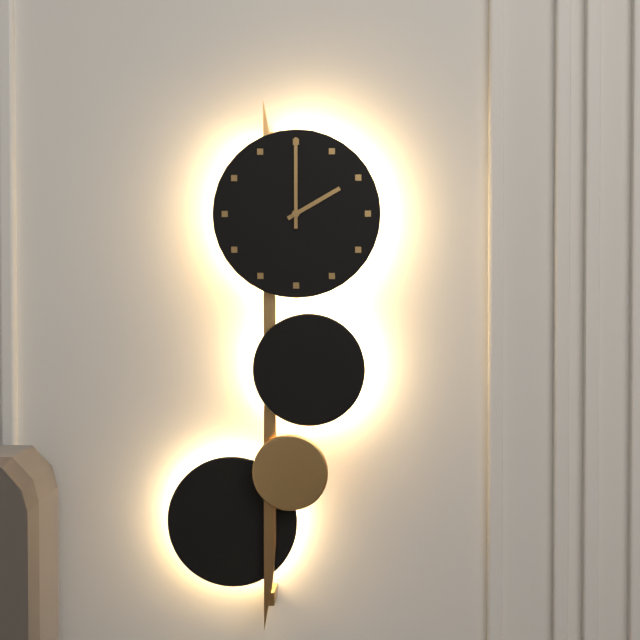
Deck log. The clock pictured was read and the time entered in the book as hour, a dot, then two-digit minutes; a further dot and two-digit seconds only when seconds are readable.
2.00
